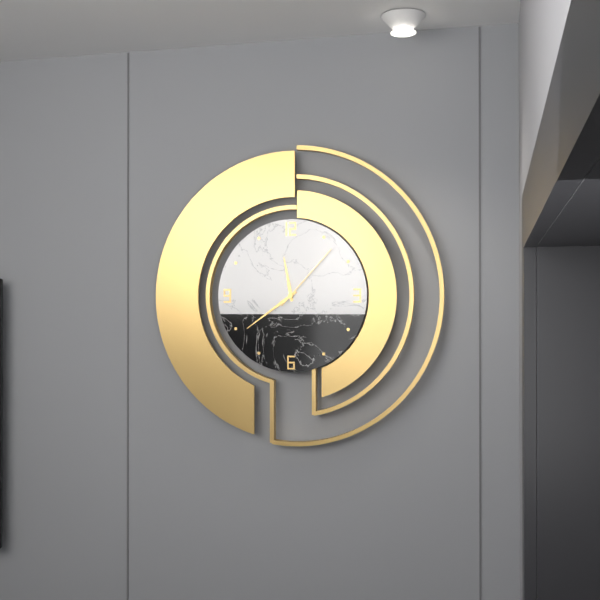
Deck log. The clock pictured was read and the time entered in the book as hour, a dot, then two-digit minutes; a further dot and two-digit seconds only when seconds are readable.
11.39.07
